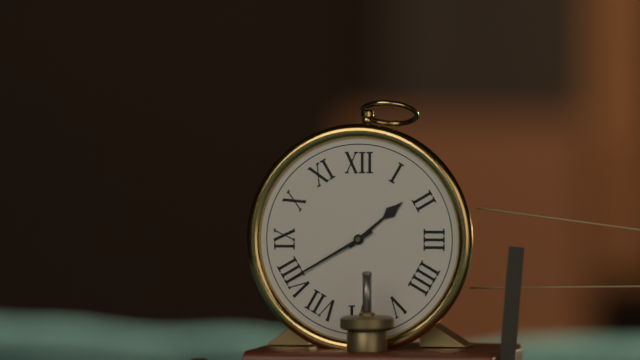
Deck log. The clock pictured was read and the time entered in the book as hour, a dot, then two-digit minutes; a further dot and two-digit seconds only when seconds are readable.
1.40
